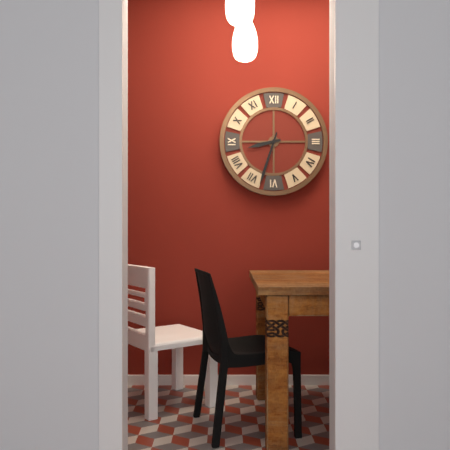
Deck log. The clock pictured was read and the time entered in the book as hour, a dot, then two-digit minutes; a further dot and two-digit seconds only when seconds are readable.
8.33
